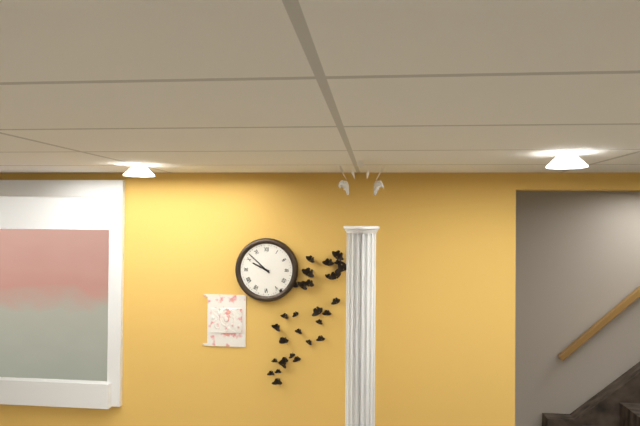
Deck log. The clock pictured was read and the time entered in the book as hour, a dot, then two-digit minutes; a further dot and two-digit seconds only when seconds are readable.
9.52
